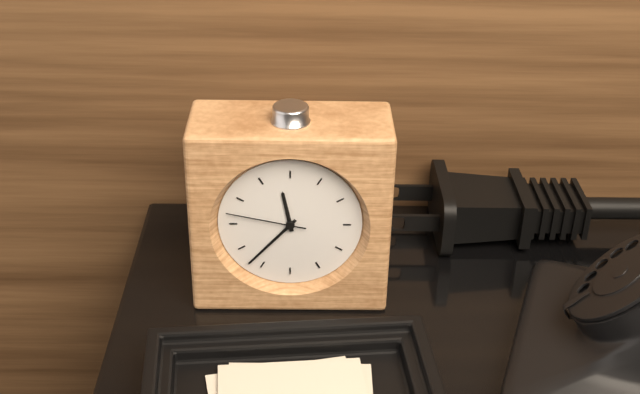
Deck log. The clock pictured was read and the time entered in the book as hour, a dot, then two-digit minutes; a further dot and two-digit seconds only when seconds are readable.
11.37.47
